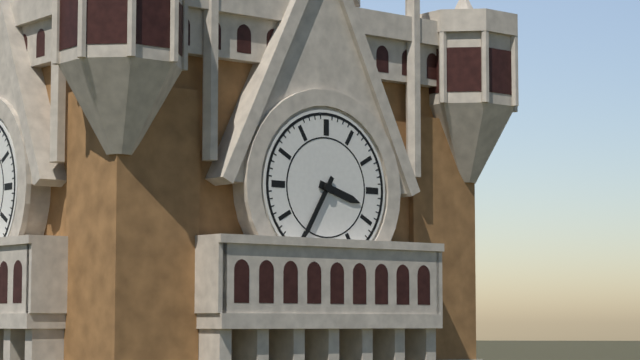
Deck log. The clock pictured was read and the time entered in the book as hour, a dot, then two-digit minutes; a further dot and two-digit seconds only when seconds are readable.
3.35
